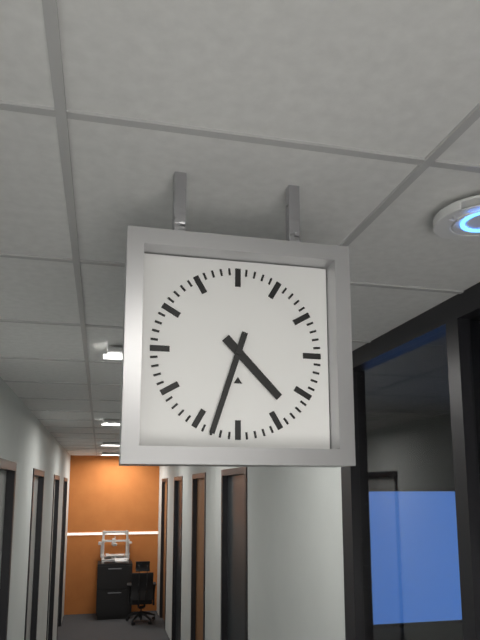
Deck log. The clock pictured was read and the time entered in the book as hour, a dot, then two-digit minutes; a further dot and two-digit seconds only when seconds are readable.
4.33
